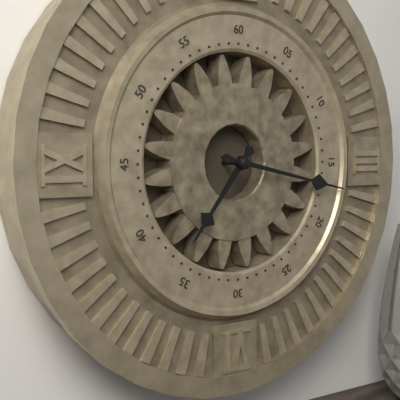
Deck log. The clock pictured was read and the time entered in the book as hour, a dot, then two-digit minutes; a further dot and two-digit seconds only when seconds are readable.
7.17
